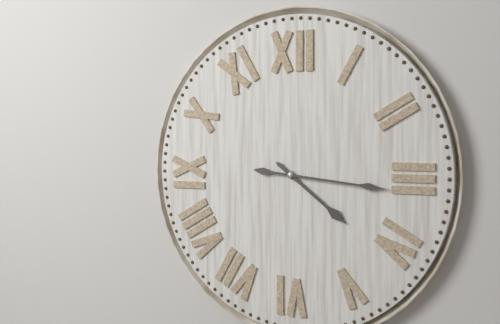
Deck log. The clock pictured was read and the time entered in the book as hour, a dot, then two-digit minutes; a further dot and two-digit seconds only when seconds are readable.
4.16
